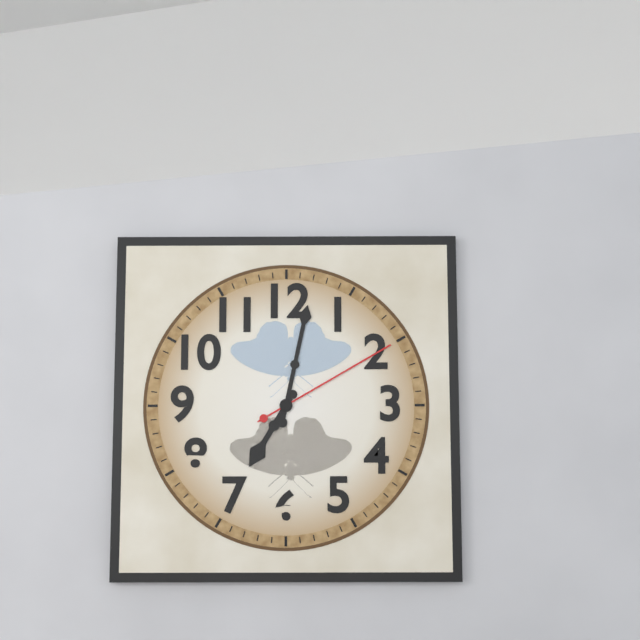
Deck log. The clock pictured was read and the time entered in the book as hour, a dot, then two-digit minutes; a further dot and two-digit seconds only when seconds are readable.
7.02.10
